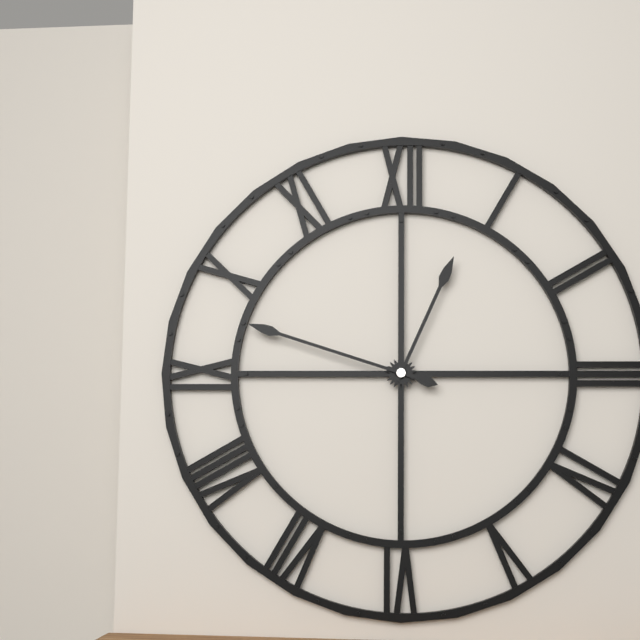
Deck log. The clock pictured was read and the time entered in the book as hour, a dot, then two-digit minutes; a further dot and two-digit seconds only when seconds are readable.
12.48
